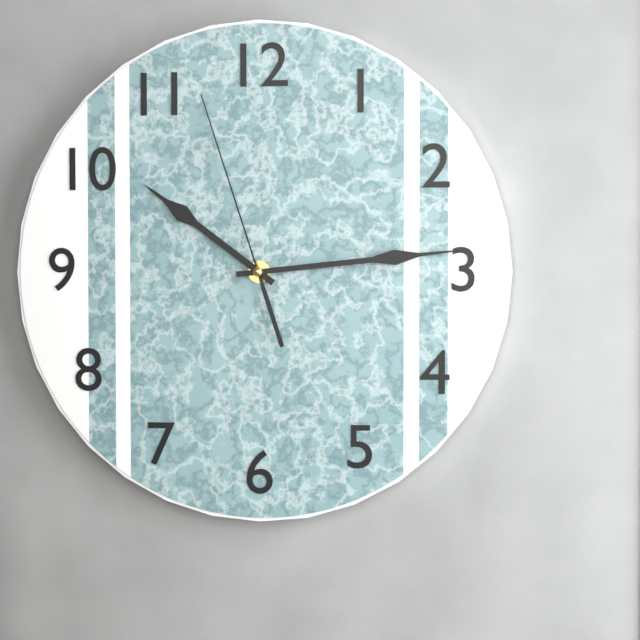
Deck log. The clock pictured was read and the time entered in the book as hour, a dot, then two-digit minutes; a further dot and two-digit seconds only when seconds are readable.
10.14.57
